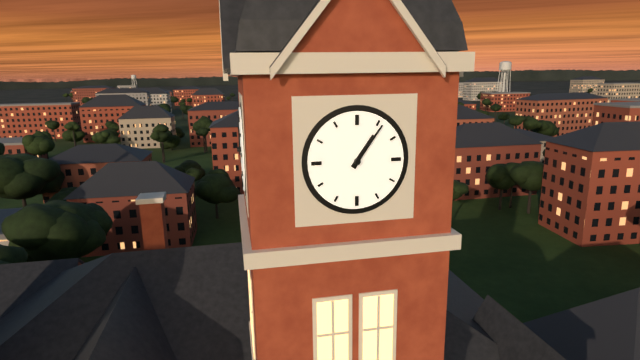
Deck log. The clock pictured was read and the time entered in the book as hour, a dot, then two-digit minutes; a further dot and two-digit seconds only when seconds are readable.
1.06
